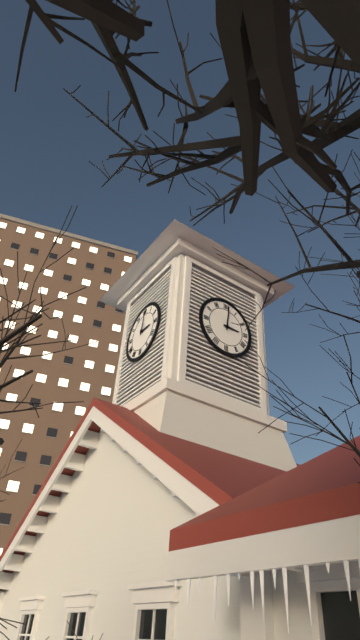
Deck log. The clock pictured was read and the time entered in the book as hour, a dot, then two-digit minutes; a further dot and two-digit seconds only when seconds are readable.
3.01
